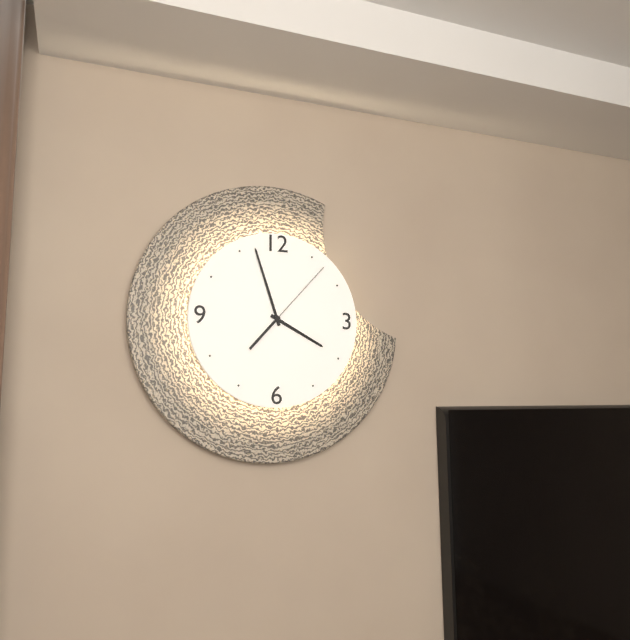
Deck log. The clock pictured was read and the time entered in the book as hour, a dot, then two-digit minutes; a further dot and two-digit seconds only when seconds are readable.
3.57.07
